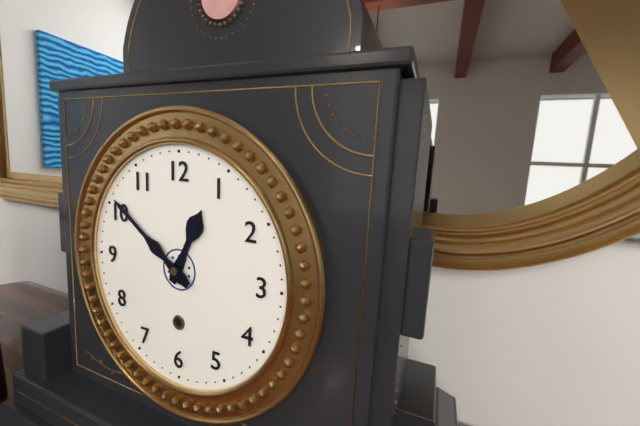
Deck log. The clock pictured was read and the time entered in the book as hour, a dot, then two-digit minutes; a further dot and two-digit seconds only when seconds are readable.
12.51
